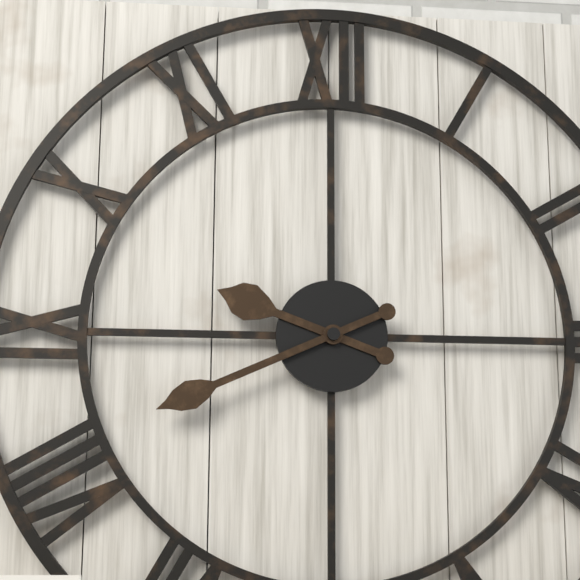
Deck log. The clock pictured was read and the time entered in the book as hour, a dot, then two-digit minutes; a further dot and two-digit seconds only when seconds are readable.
9.41
